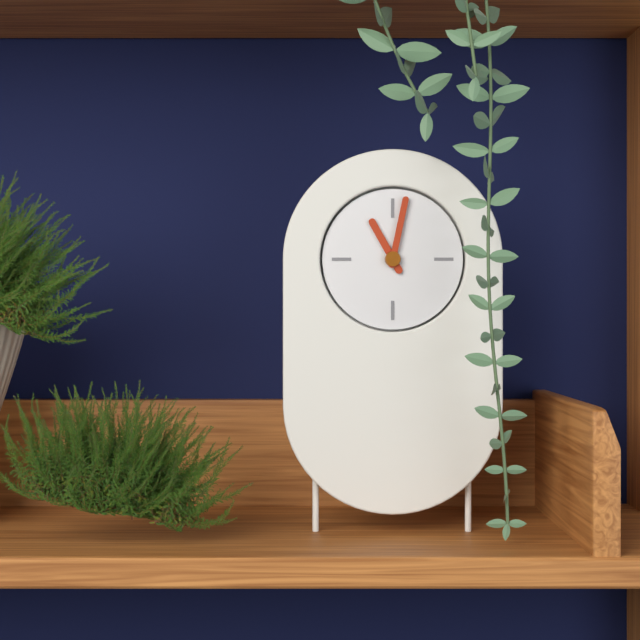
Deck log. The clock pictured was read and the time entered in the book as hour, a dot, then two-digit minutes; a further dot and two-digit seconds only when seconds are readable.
11.02
